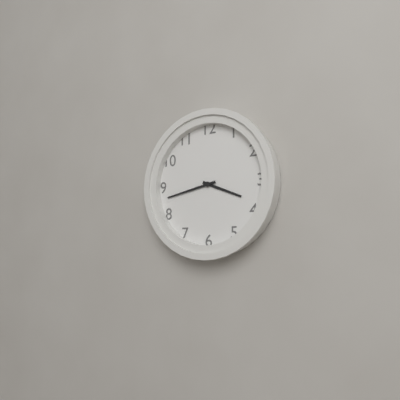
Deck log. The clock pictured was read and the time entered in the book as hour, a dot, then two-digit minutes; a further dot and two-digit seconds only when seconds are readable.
3.43
